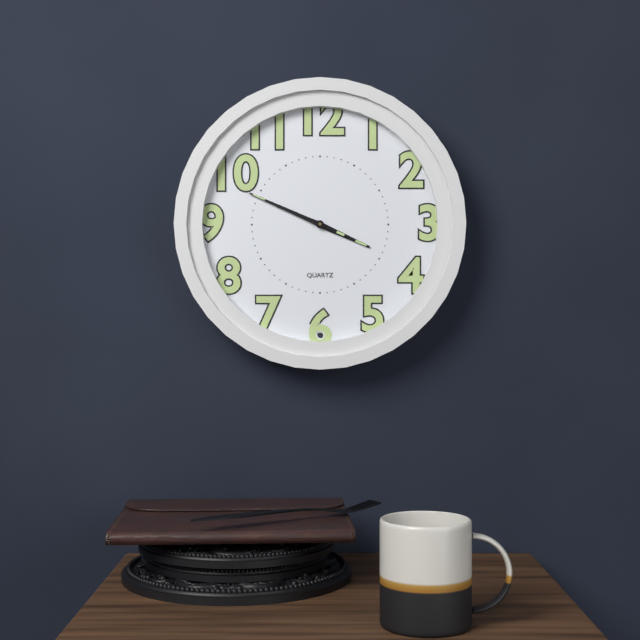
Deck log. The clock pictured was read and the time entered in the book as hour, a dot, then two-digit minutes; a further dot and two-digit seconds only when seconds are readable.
3.49
